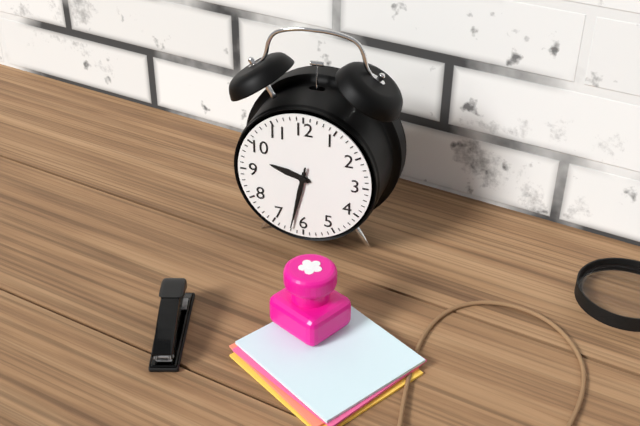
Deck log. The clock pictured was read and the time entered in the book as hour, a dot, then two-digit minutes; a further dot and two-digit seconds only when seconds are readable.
9.32.32
